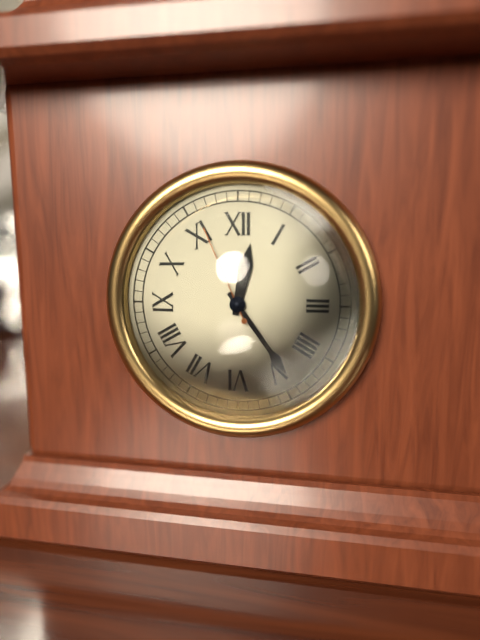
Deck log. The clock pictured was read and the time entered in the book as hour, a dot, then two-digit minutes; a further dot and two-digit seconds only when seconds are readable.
12.24.56
